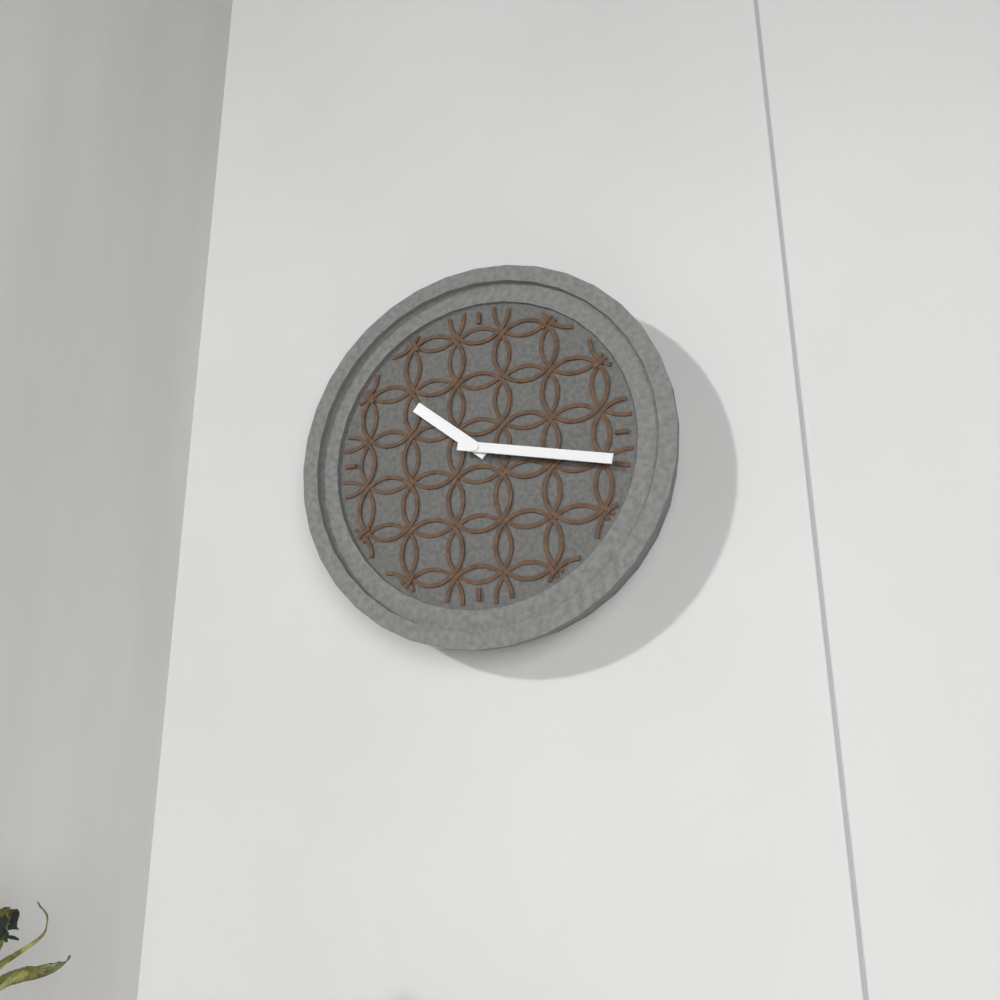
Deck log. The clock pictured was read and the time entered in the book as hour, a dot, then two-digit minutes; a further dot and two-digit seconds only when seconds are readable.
10.17
